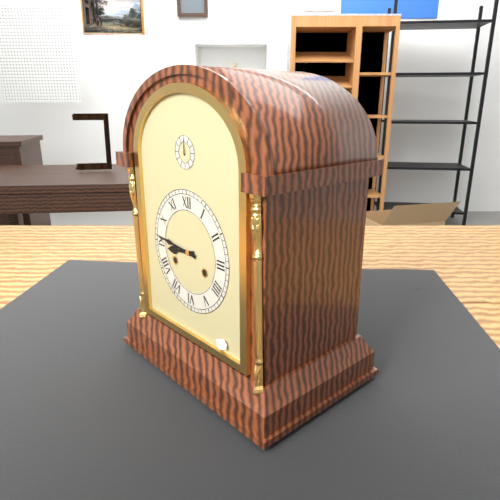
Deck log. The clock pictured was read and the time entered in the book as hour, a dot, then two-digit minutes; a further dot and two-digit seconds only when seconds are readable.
8.46
